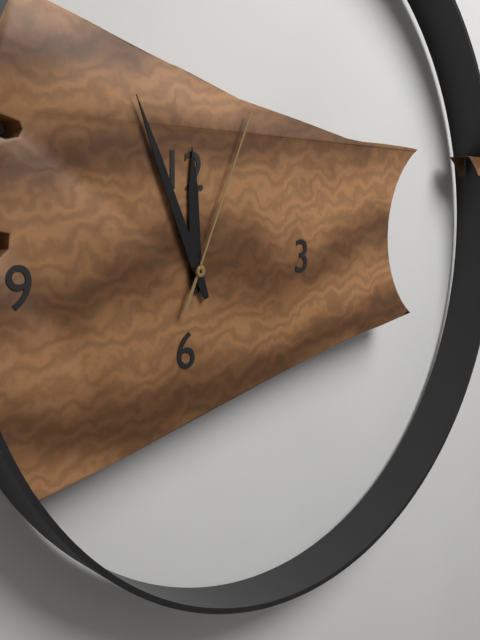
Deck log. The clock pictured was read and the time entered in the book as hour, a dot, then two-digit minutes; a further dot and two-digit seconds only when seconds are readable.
11.56.04
